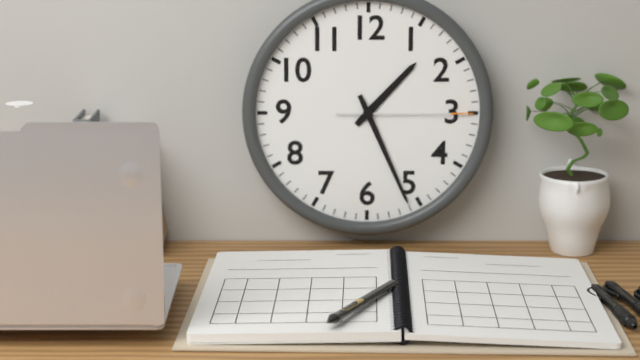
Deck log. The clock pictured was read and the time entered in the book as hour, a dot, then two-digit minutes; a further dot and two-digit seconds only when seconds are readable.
1.26.15
